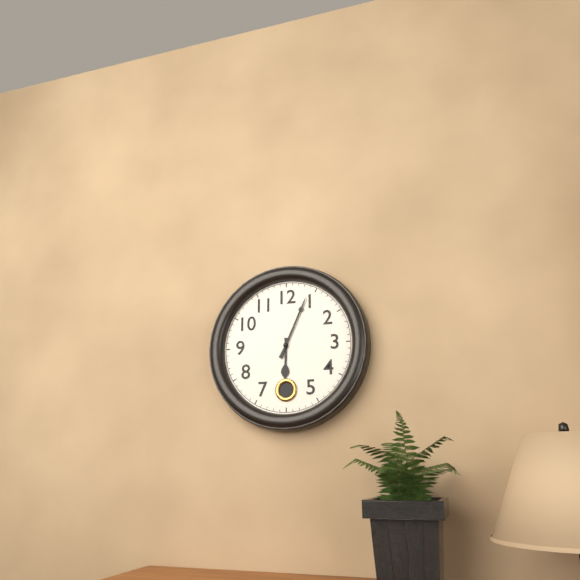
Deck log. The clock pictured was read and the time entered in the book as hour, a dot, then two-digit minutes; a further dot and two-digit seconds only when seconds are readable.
6.04
